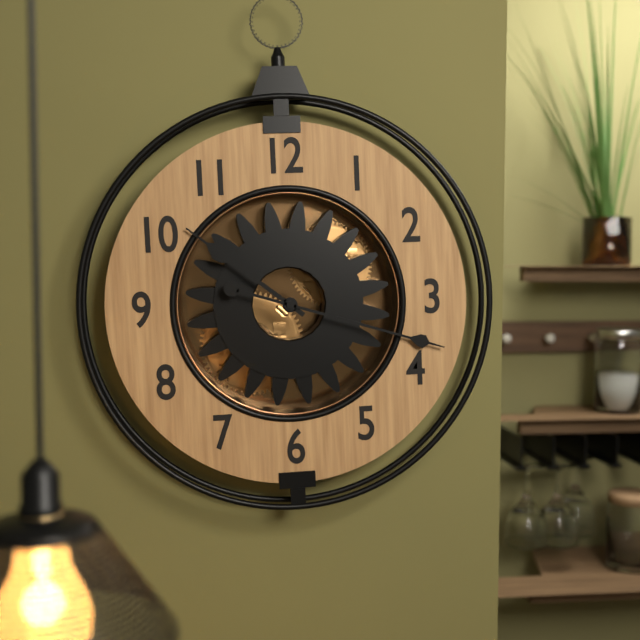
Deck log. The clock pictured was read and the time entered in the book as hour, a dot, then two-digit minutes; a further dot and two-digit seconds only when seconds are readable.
10.18
